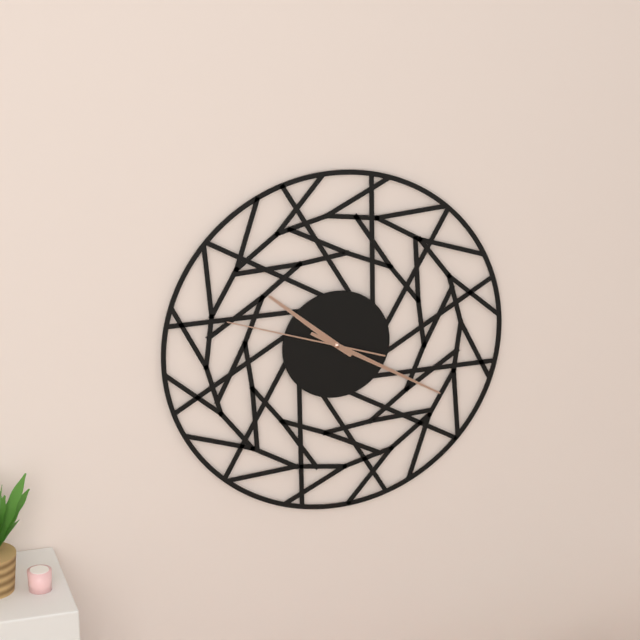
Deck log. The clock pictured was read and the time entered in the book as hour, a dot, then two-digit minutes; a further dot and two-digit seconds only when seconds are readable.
10.20.48
